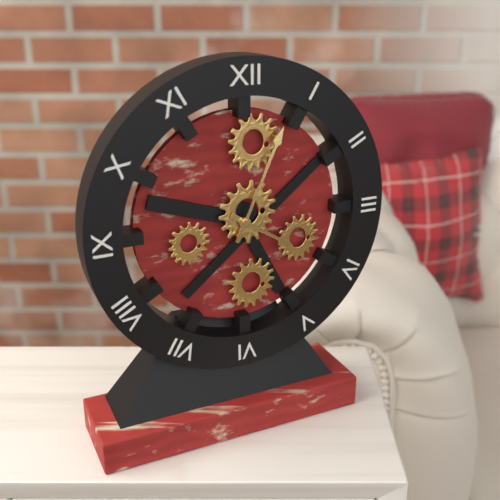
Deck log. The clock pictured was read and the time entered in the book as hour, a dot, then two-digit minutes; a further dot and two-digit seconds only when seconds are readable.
4.04
